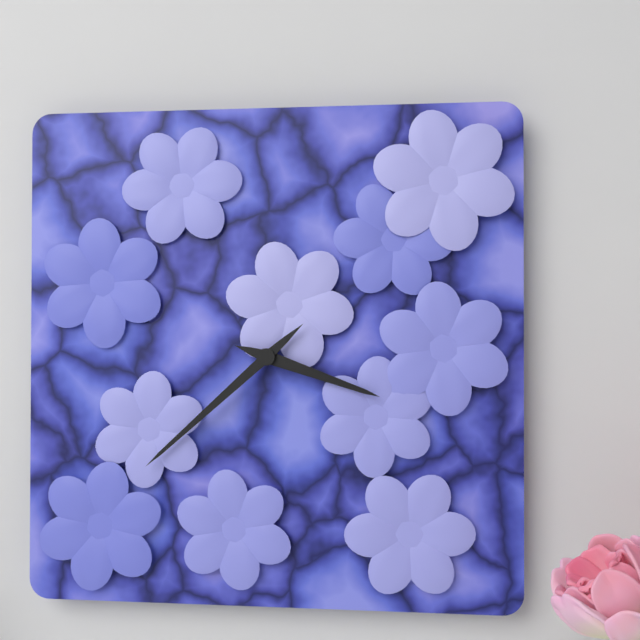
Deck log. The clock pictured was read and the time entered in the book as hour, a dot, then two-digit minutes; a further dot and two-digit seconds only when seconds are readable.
3.38
